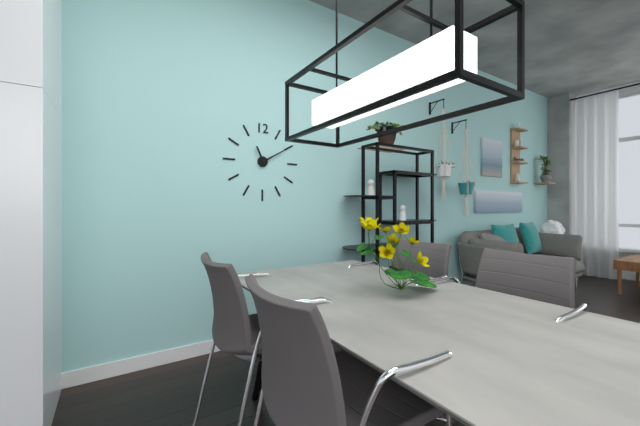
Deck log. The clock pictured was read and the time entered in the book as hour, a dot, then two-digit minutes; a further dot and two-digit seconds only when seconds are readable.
11.10
